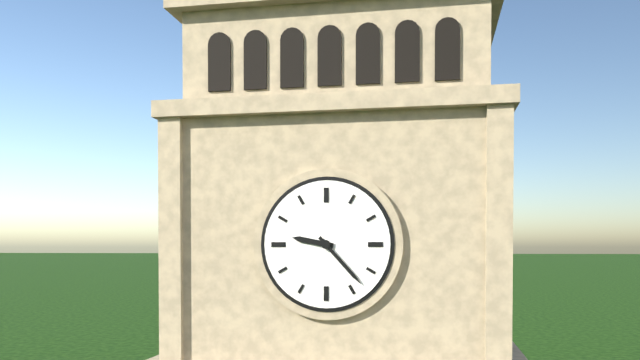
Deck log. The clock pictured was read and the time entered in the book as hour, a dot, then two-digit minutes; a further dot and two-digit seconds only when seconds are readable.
9.23
